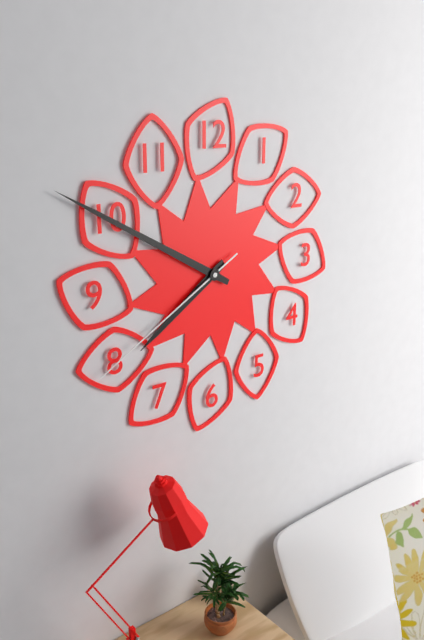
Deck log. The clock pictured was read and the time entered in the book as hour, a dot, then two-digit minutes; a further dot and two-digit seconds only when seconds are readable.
7.50.40
